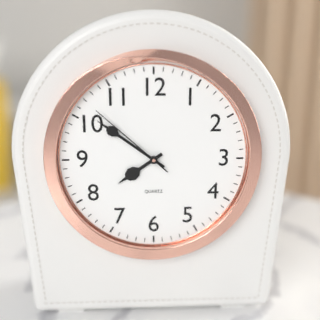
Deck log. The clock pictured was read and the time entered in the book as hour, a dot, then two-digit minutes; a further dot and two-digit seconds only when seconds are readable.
7.51.52
